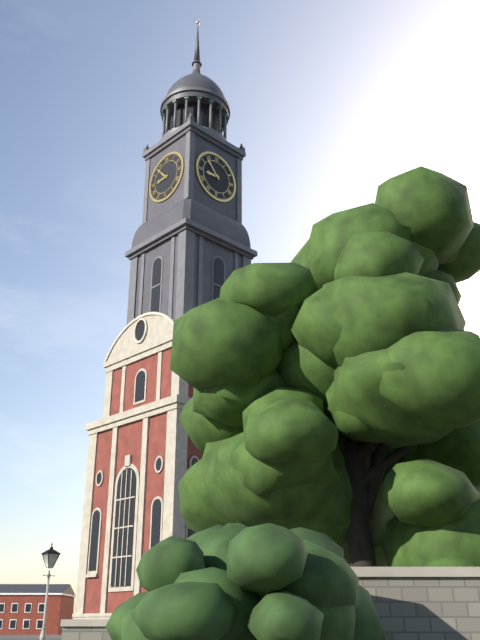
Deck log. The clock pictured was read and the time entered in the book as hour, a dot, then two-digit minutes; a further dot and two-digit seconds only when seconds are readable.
8.53
